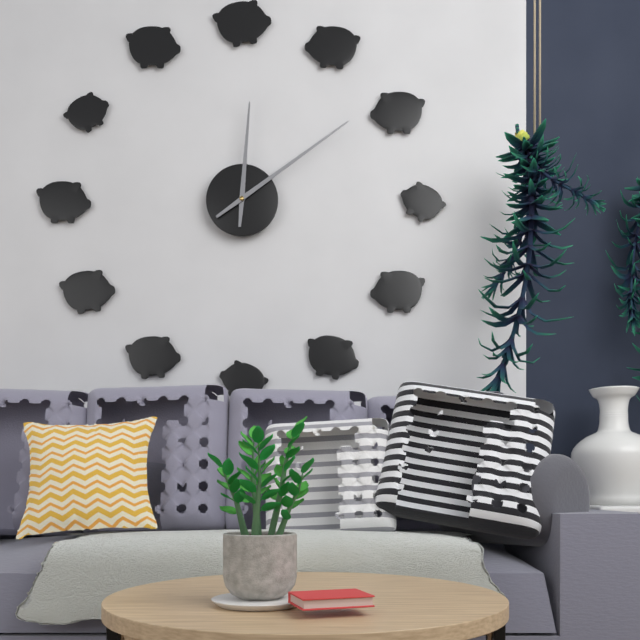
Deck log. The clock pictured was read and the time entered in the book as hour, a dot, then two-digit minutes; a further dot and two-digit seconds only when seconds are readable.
12.09
